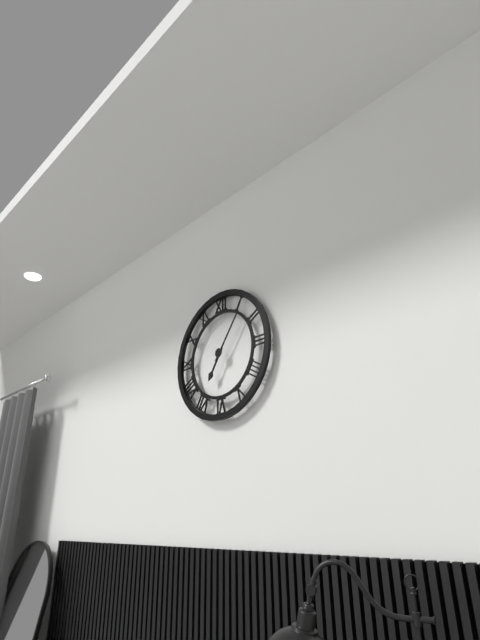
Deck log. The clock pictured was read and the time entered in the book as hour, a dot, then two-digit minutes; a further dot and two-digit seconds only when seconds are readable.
7.06
